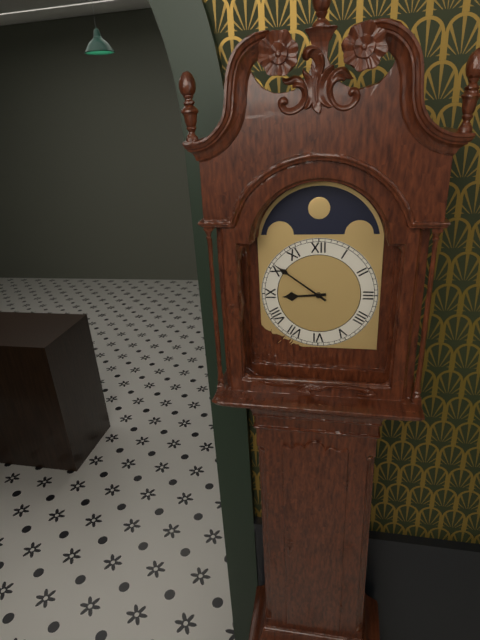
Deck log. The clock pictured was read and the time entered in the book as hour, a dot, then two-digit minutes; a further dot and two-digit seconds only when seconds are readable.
8.51
